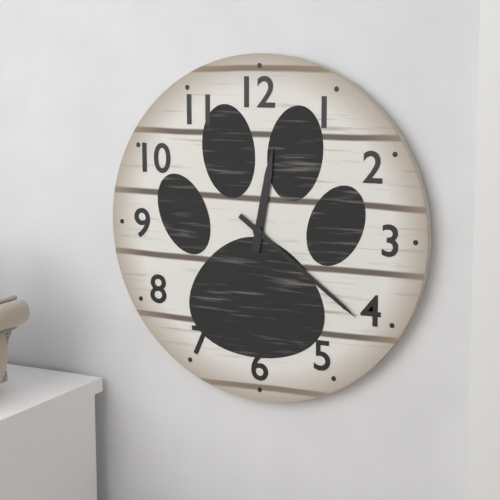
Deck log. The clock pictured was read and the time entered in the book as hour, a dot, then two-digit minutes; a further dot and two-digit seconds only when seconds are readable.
12.21
